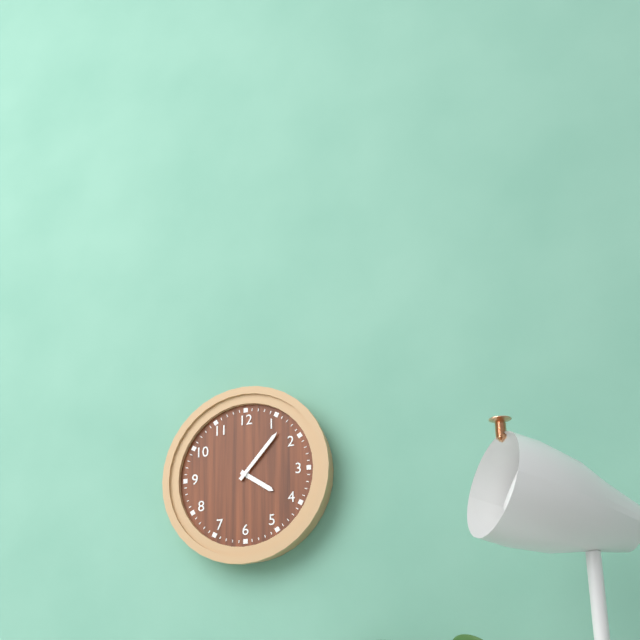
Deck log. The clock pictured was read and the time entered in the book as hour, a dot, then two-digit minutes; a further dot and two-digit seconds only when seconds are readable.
4.07
